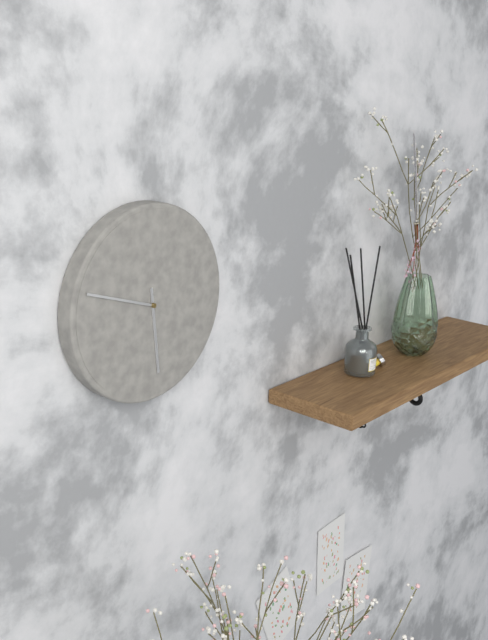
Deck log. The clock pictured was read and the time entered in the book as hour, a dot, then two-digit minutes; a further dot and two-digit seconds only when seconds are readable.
5.48
